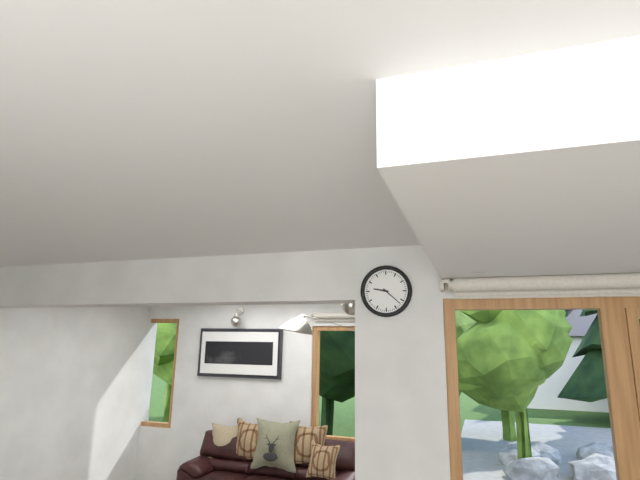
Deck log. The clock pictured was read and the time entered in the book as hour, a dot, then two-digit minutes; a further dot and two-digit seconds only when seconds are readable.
9.22
